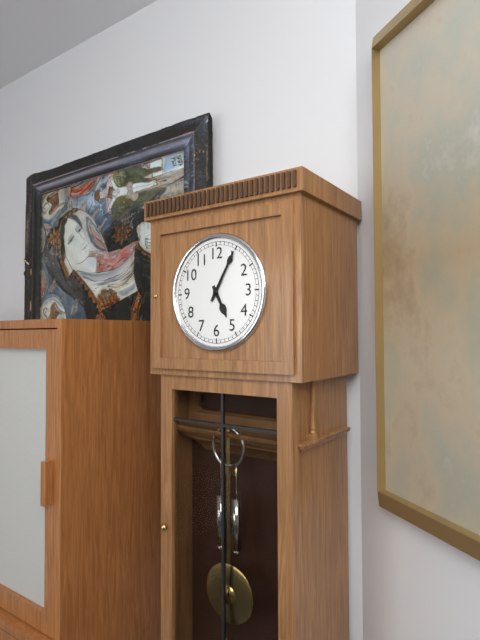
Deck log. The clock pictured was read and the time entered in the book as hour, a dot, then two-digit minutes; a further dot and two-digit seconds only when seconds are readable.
5.05
